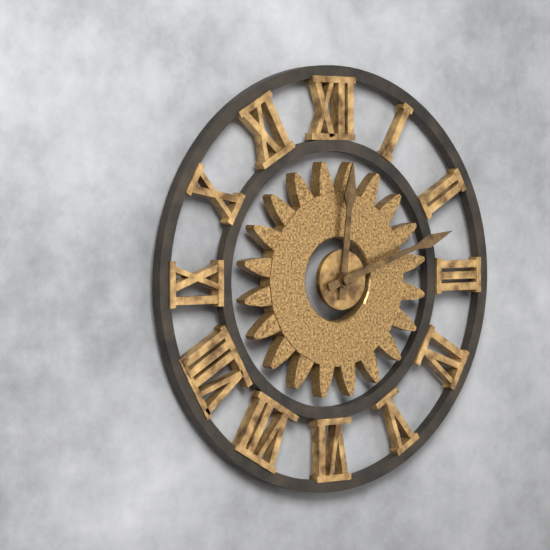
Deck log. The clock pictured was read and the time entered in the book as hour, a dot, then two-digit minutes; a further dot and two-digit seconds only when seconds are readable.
12.12
